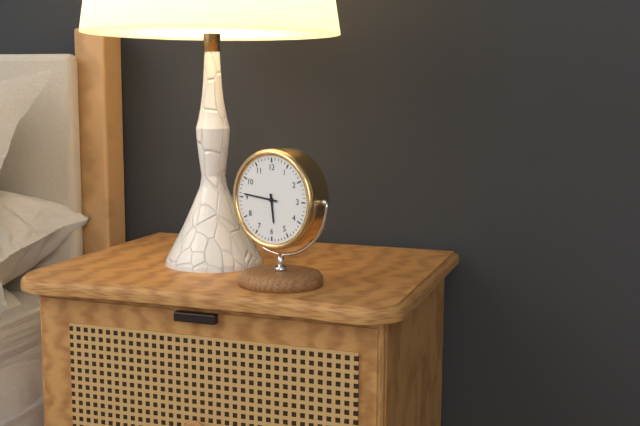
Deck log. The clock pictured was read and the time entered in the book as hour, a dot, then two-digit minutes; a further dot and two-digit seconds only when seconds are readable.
5.46
